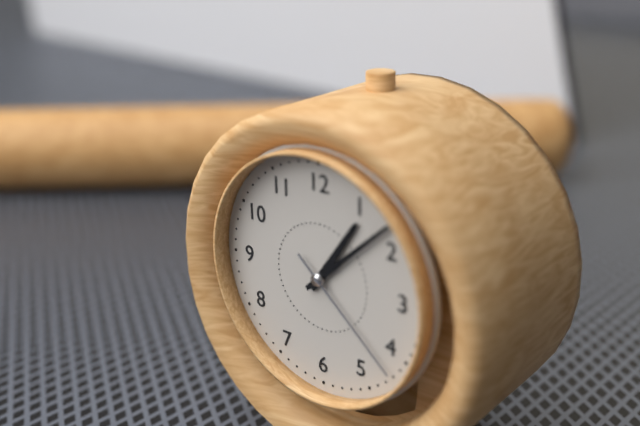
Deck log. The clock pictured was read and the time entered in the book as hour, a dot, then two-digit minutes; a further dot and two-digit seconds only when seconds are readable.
1.08.22
